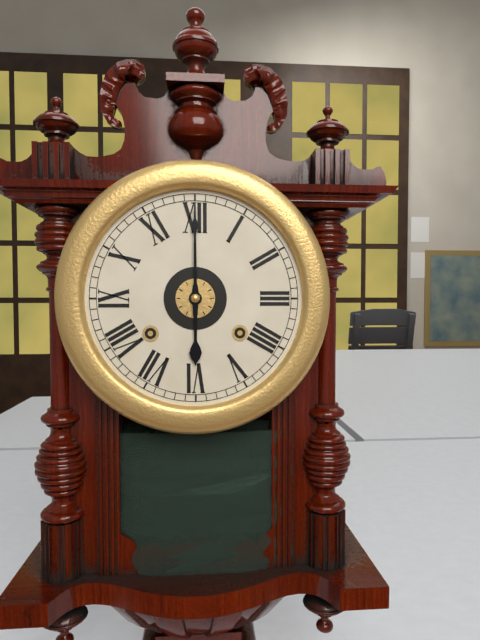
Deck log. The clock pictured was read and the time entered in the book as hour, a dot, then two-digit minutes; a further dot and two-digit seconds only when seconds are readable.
6.00
